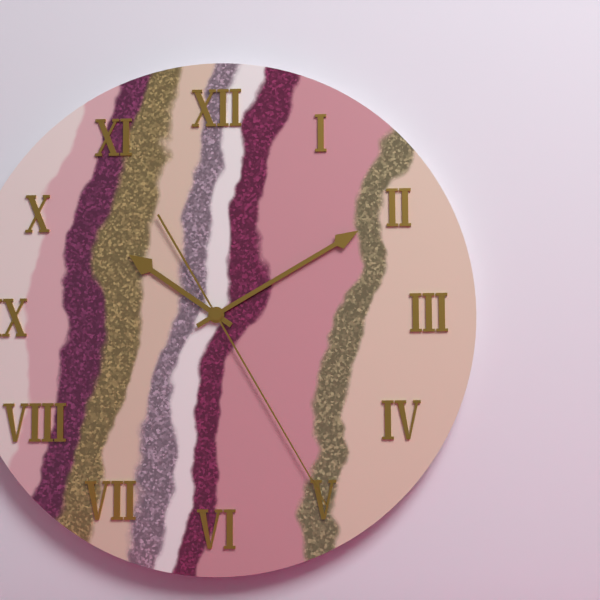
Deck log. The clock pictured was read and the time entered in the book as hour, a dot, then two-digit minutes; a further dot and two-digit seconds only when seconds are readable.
10.10.25
